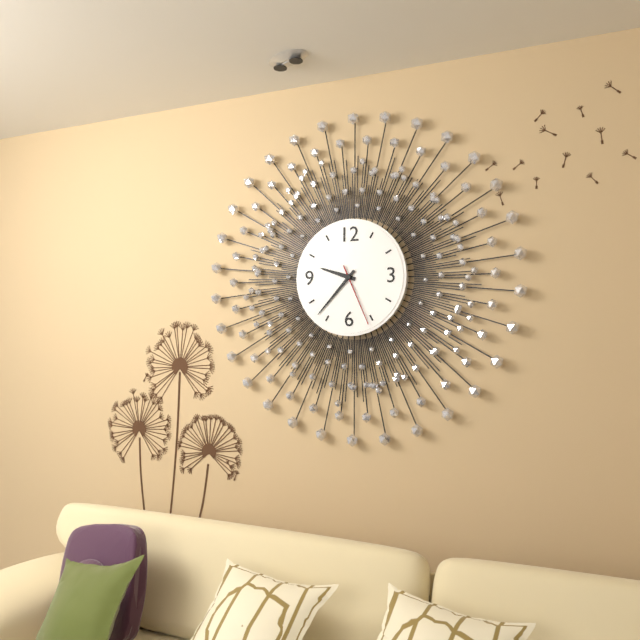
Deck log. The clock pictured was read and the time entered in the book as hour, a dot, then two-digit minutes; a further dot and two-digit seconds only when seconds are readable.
9.37.26
